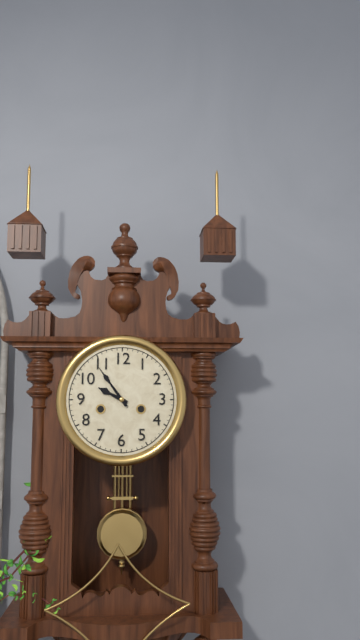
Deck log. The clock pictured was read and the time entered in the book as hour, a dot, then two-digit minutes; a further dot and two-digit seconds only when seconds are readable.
9.54
